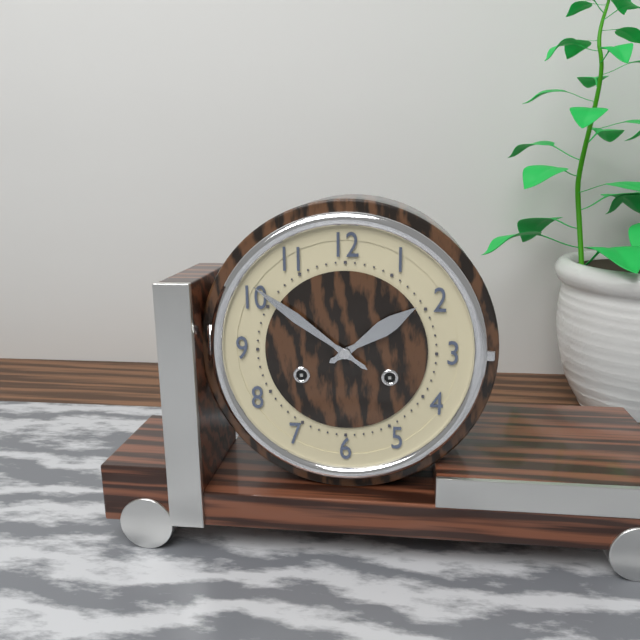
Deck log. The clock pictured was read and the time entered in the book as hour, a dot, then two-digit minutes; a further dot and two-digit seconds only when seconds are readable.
1.51
